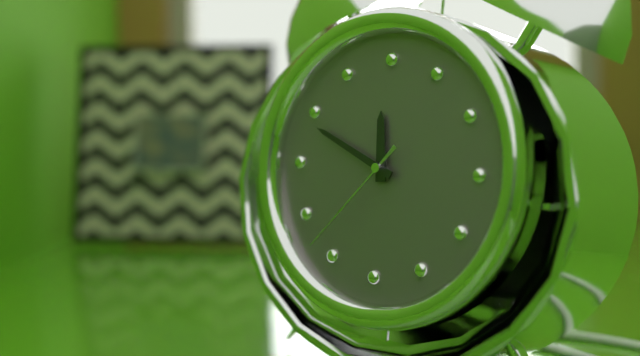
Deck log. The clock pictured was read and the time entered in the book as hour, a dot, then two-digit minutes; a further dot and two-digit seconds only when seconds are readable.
11.49.37
